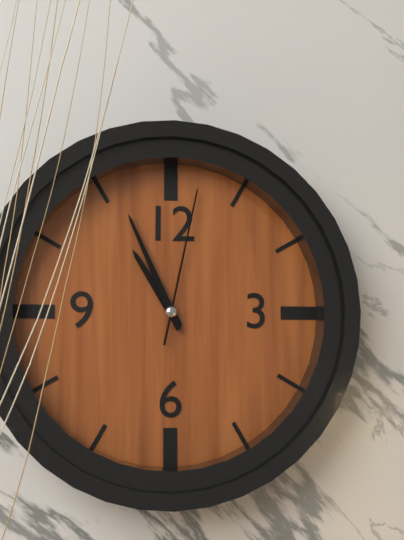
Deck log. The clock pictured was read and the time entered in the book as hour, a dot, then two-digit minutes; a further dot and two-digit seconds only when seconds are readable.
10.56.02
